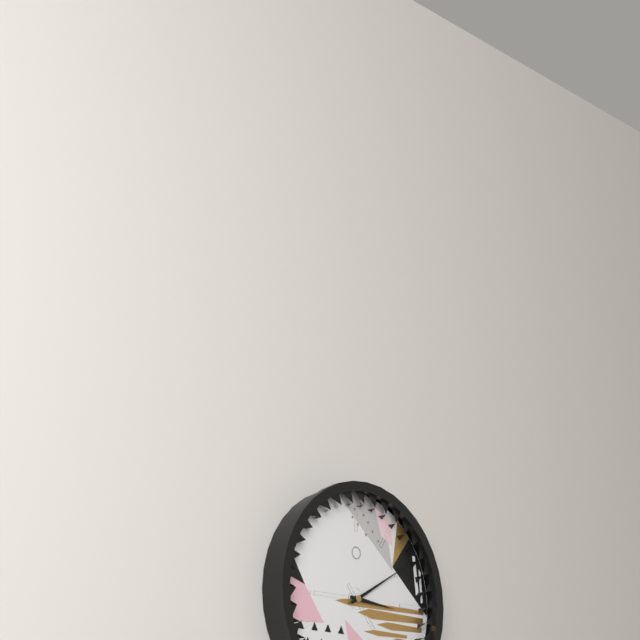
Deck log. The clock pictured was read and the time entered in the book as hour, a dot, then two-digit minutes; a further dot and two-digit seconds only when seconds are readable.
3.10
